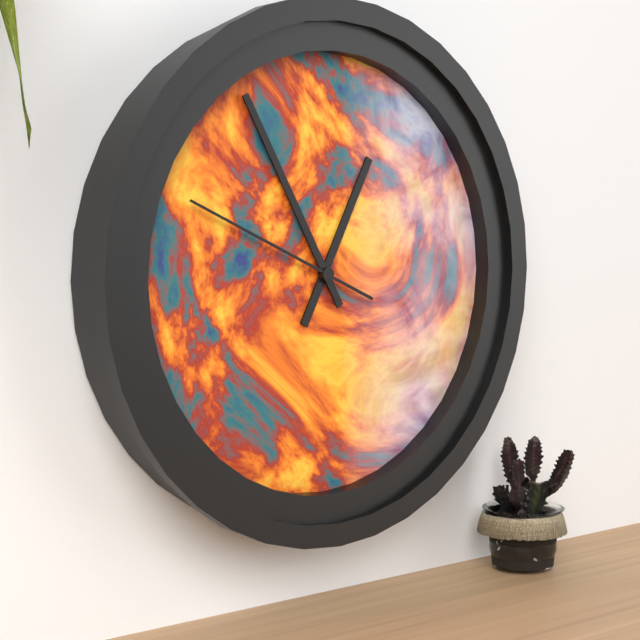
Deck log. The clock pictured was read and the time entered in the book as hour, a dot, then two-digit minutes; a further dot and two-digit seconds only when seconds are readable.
12.55.49
